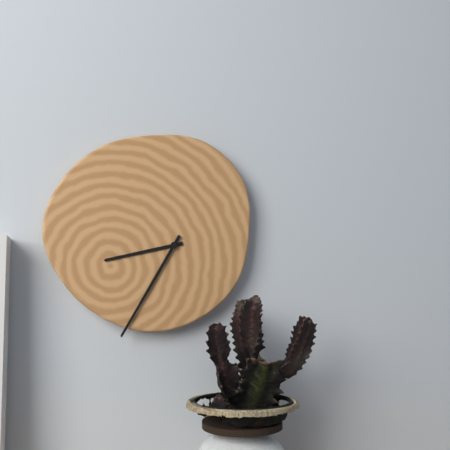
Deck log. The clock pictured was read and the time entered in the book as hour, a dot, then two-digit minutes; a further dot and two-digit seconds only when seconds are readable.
8.35
